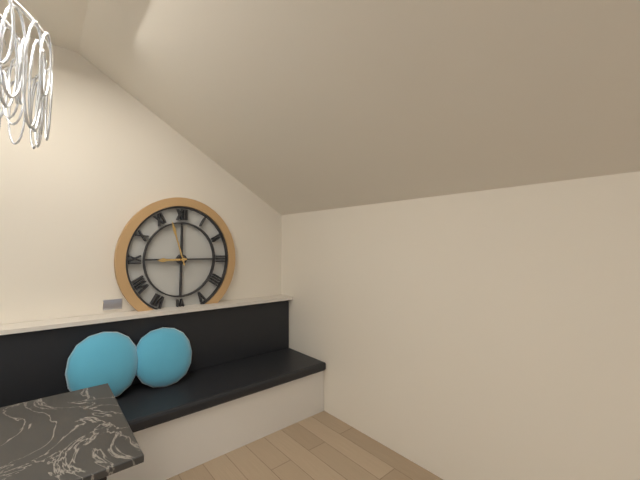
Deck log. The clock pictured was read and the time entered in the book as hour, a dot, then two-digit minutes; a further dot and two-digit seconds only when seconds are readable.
8.57
